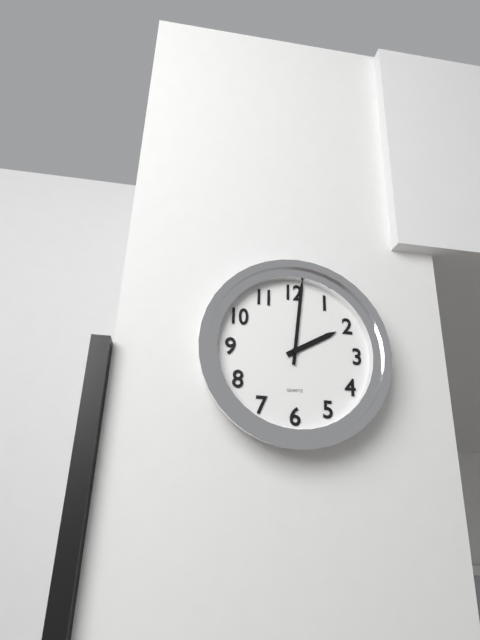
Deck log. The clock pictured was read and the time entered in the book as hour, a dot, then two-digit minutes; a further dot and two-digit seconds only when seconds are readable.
2.01
